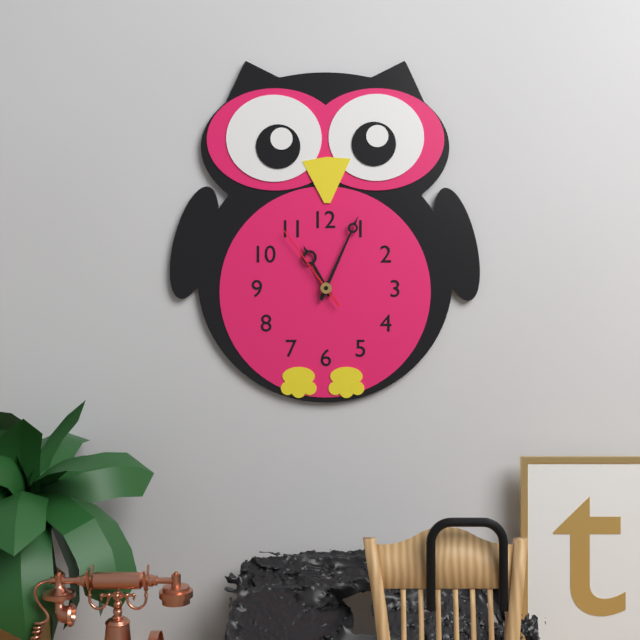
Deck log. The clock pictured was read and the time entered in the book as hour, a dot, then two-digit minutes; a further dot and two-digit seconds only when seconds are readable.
11.04.54
